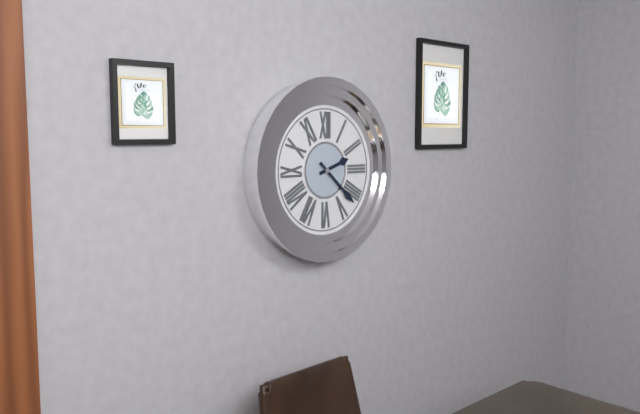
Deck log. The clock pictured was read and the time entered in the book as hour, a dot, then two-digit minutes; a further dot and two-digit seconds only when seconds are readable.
2.22
